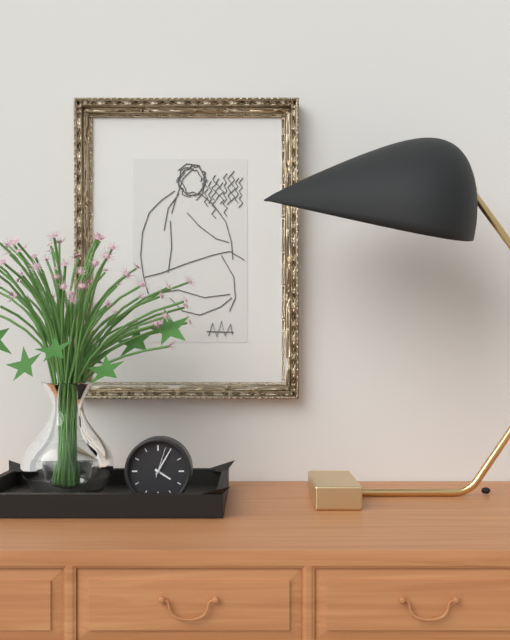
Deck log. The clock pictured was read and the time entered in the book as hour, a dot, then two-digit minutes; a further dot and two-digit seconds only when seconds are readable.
4.05
